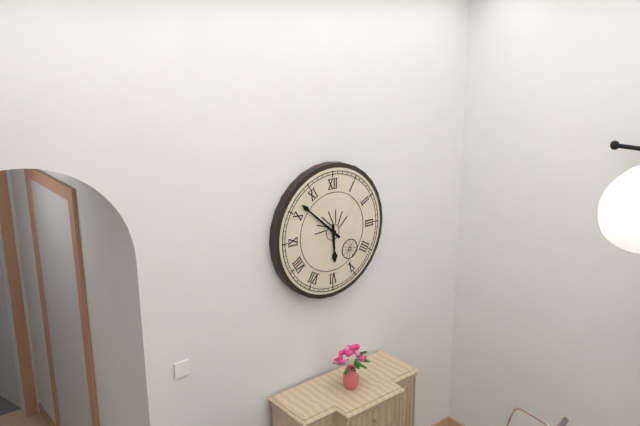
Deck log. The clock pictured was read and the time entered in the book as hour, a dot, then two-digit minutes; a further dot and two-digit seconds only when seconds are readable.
5.52
